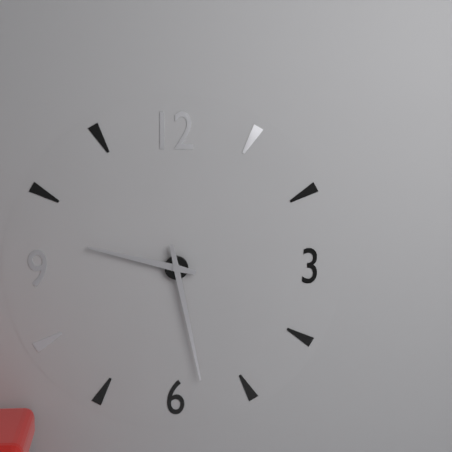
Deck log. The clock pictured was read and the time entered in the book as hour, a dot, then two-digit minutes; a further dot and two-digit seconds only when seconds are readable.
9.28
